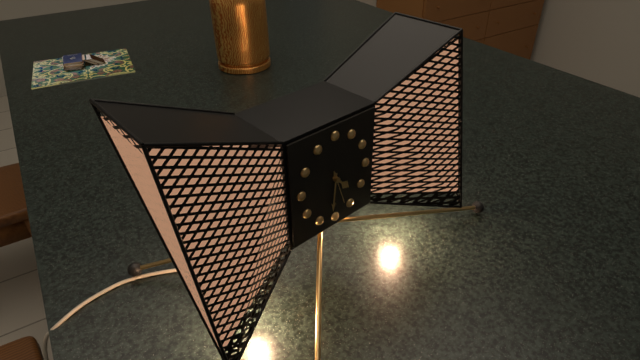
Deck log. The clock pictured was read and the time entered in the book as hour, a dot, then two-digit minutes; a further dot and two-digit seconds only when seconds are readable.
4.31
